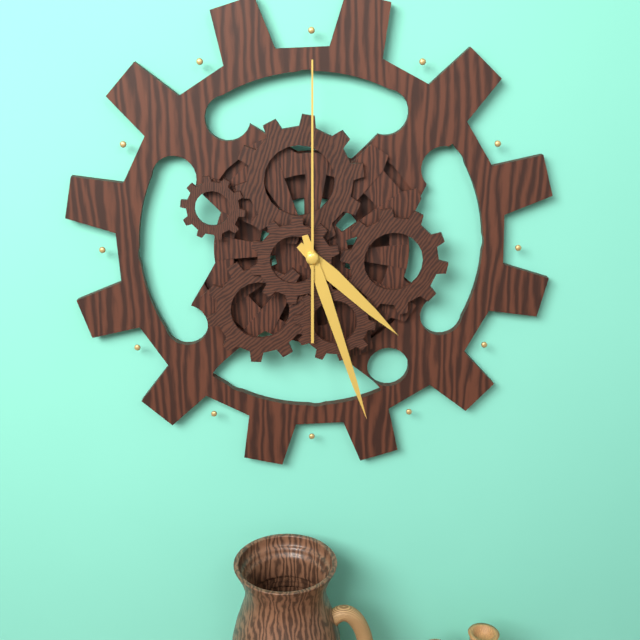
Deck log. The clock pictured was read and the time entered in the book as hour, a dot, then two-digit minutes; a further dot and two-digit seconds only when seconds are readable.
4.27.00
